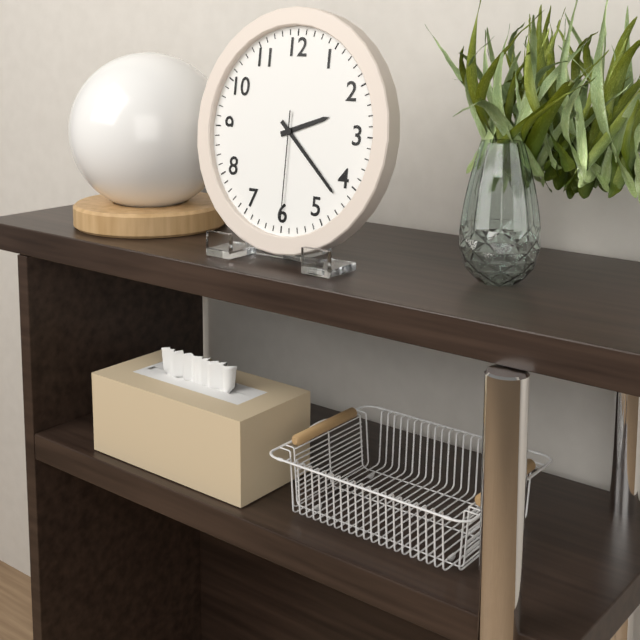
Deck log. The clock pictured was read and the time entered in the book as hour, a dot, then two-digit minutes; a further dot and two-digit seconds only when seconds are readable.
2.22.30
